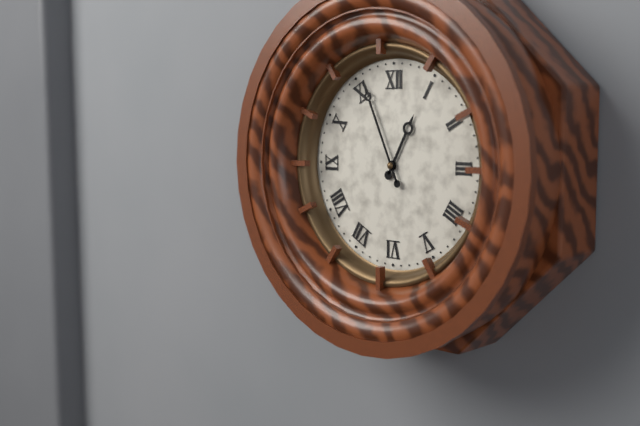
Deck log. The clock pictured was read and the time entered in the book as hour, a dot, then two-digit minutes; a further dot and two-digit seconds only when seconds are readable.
12.56
